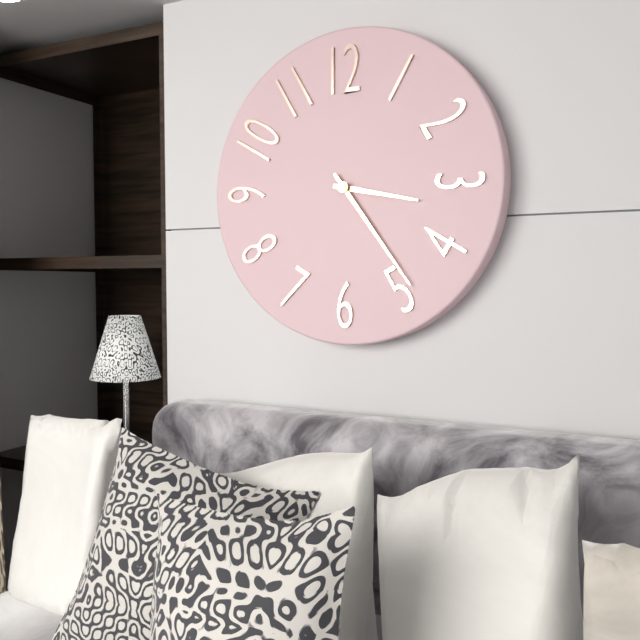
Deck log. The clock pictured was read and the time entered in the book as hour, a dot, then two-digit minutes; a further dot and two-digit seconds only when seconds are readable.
3.24
